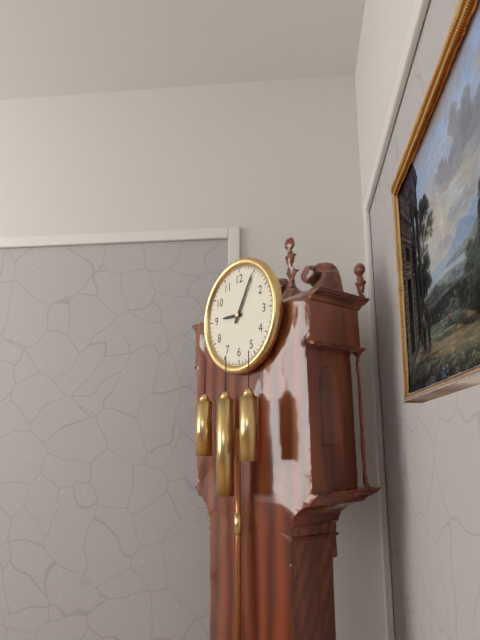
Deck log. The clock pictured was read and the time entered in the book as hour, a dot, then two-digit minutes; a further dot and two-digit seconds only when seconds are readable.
9.05
